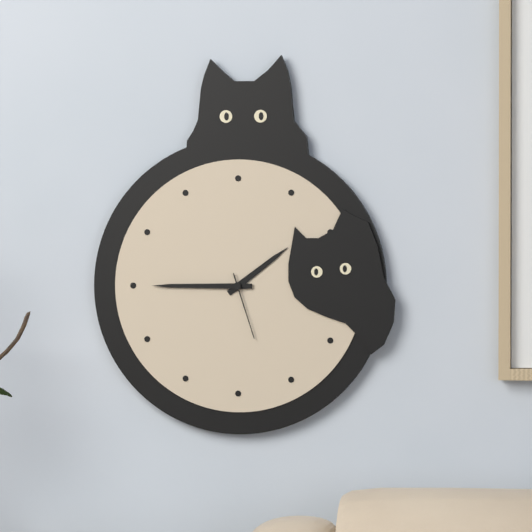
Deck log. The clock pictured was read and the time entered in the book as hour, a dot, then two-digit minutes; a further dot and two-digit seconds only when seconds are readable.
1.45.27
